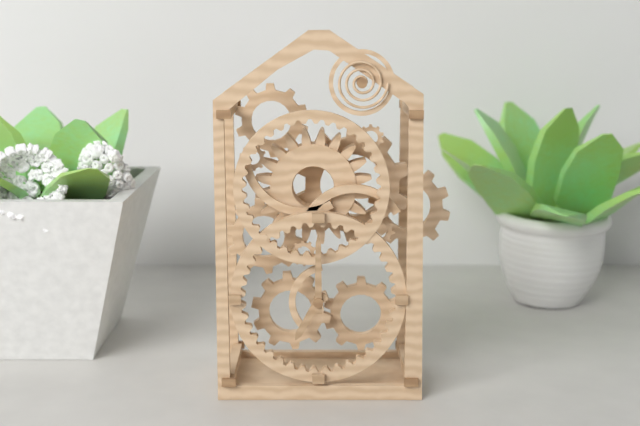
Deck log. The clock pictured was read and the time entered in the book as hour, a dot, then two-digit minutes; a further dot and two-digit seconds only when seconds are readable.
7.00
